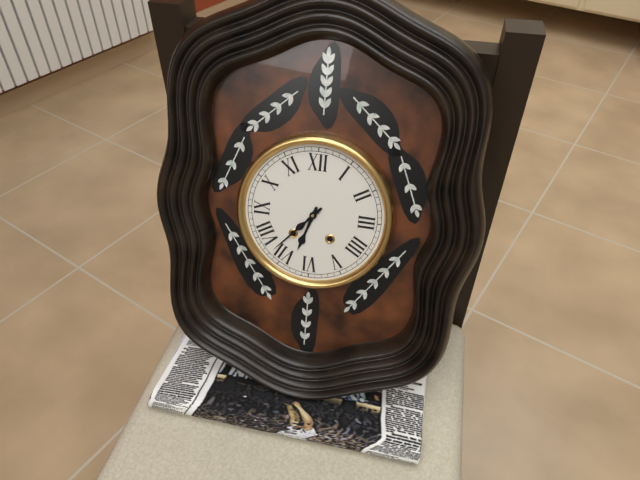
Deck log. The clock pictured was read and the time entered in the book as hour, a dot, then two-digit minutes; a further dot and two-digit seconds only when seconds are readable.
6.37
